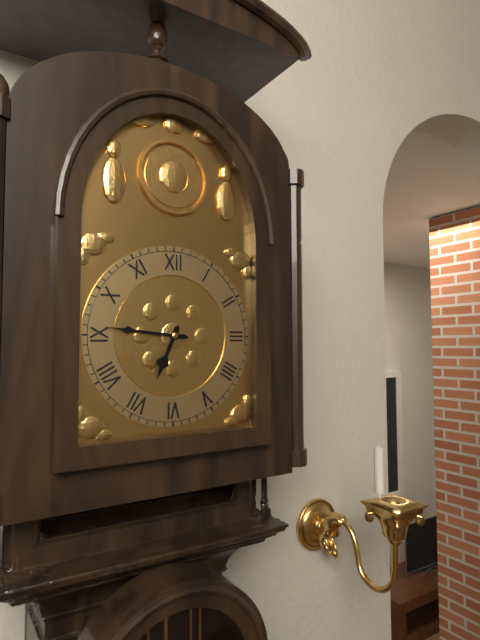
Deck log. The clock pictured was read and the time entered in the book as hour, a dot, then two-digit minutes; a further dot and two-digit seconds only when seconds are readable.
6.46
